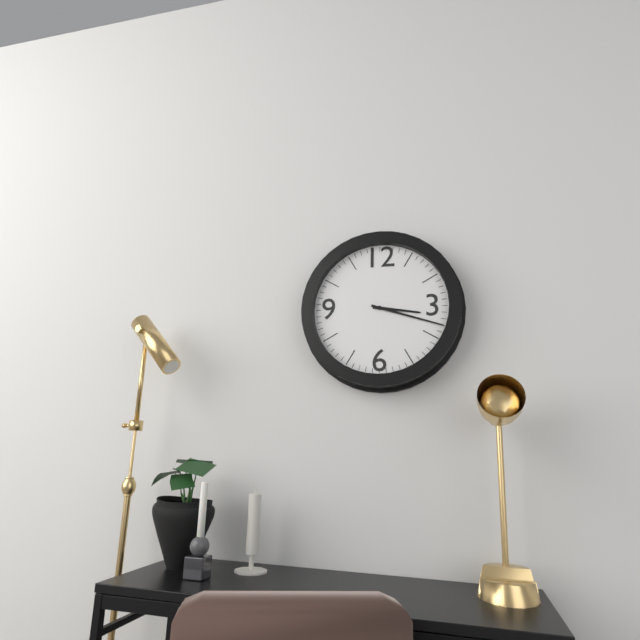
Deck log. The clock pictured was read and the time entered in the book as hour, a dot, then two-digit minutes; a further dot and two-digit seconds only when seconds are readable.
3.18
